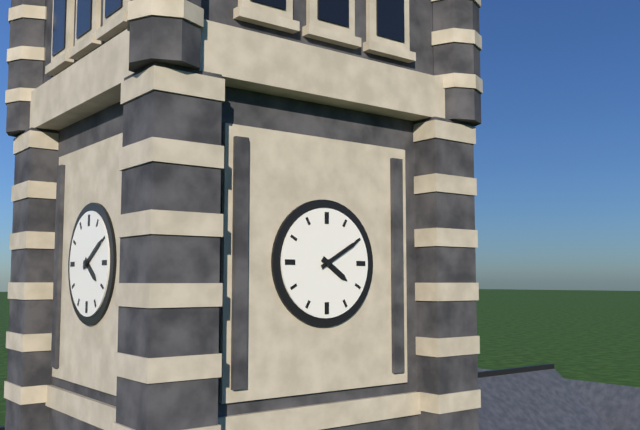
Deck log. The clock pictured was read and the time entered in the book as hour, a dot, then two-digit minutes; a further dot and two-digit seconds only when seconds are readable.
4.10
